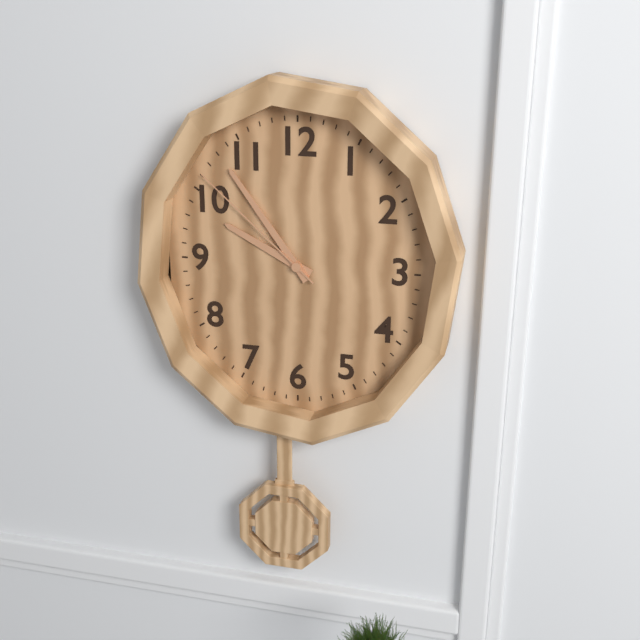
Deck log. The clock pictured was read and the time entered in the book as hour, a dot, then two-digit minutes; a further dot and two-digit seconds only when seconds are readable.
9.54.52
